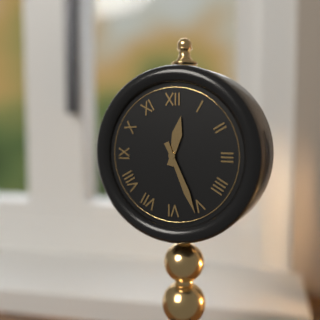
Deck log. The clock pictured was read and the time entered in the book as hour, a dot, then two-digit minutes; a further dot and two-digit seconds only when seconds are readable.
12.26
